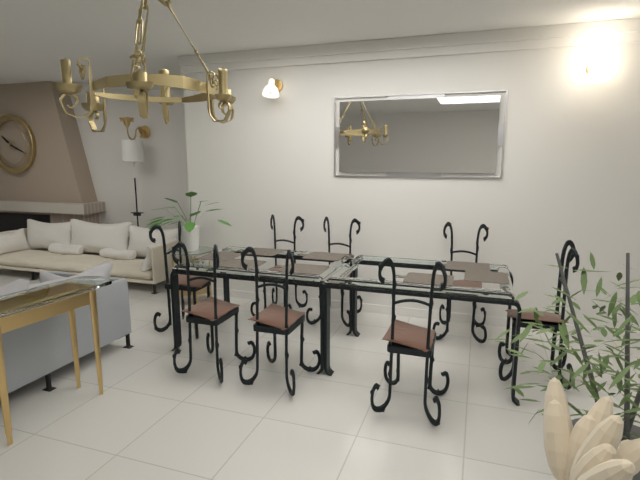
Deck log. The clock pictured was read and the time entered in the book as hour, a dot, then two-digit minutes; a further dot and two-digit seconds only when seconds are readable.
10.19
